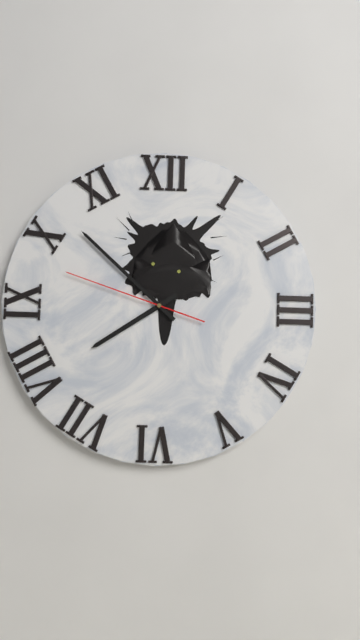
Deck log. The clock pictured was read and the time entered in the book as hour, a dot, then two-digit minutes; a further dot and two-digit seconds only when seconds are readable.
7.52.48
